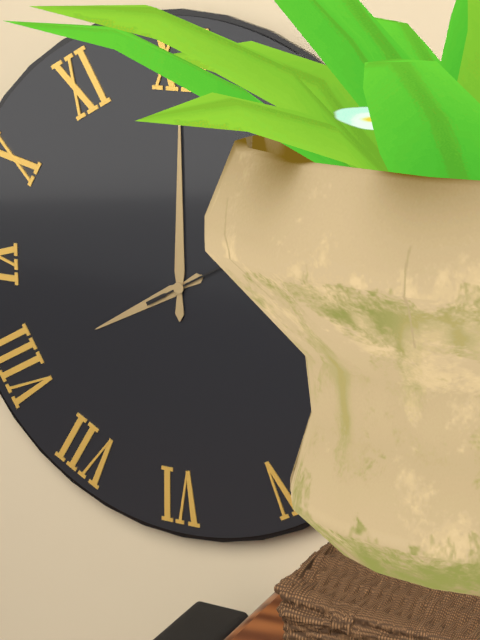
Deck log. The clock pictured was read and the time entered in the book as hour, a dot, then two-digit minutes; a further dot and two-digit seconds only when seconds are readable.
8.00
